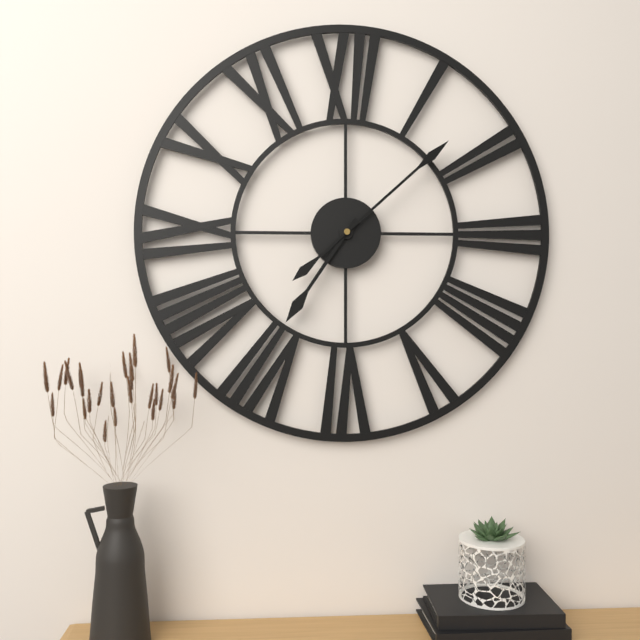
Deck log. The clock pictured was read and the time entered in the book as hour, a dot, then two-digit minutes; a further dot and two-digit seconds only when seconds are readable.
7.08
